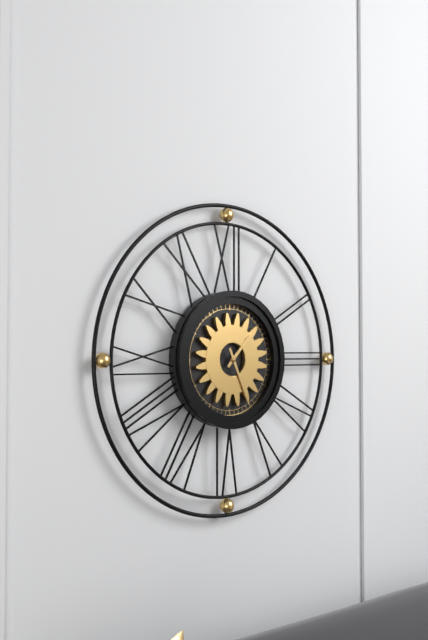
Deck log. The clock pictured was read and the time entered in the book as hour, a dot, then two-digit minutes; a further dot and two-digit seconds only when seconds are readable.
1.26
